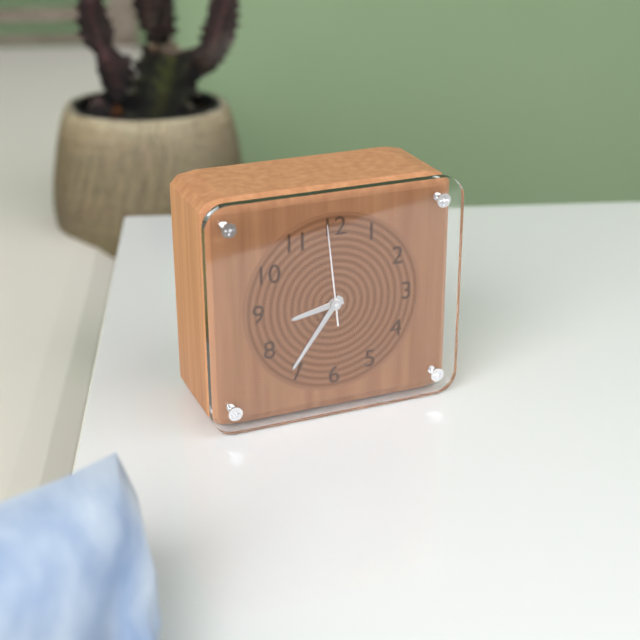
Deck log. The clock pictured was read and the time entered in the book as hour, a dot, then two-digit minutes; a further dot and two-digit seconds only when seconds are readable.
8.36.59
